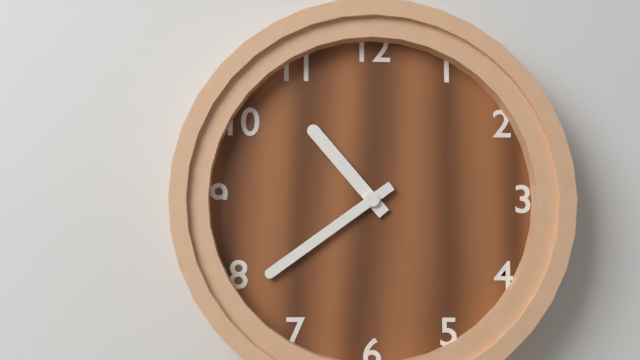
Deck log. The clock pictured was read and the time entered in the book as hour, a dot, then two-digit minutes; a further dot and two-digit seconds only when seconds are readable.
10.39
